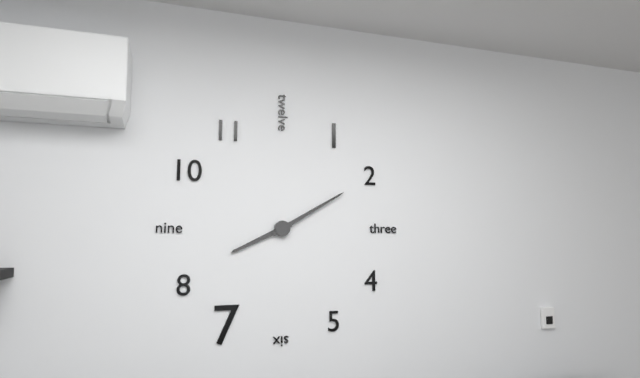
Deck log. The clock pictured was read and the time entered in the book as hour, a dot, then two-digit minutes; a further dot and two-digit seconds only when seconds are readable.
8.10
